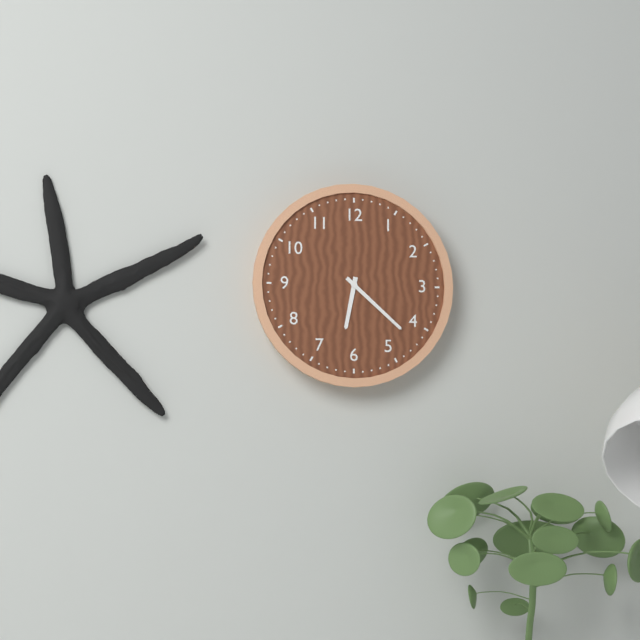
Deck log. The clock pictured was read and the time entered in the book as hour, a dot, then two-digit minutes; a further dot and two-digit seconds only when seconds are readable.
6.22
